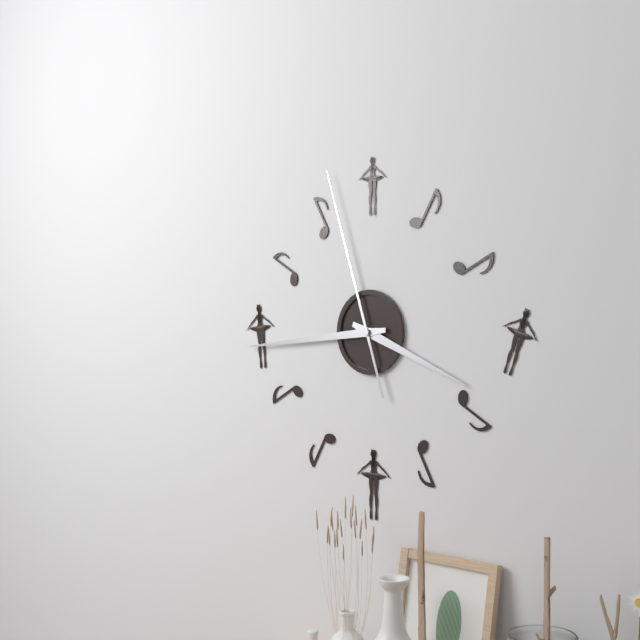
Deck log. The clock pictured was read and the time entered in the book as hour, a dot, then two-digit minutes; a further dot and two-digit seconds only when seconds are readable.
3.44.57
